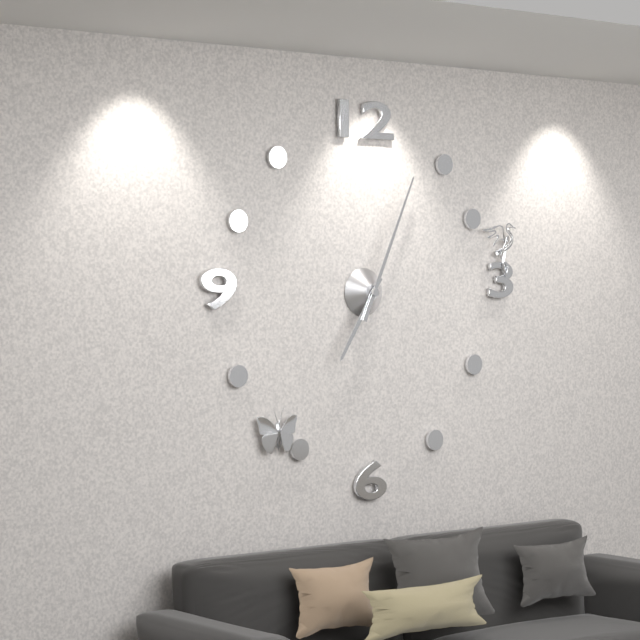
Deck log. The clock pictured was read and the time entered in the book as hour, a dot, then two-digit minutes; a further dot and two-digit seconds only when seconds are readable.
7.04
